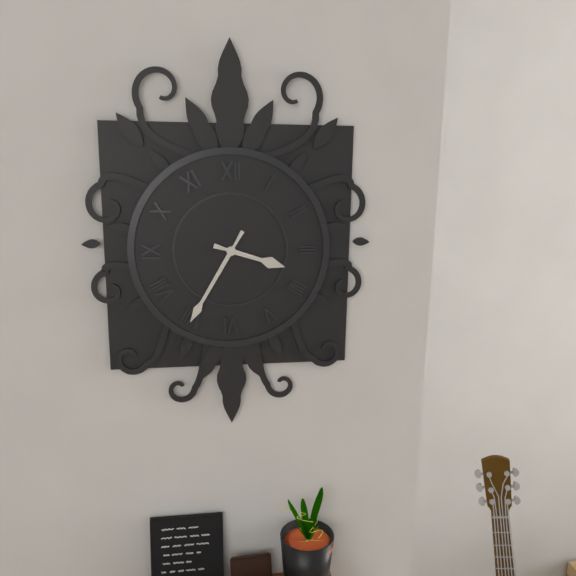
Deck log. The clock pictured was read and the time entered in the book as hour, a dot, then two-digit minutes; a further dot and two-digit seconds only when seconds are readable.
3.35
